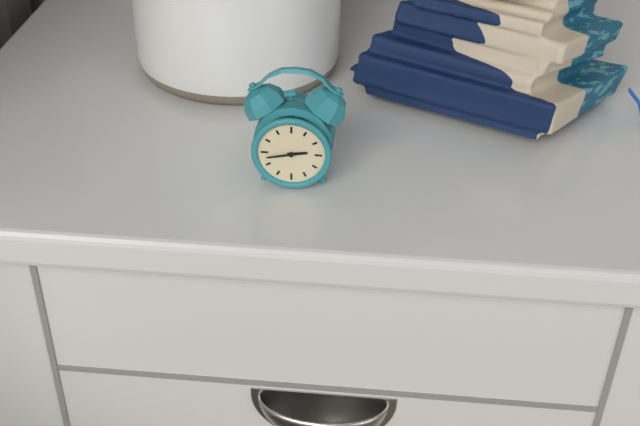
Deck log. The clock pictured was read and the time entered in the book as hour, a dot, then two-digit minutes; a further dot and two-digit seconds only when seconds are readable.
2.43
